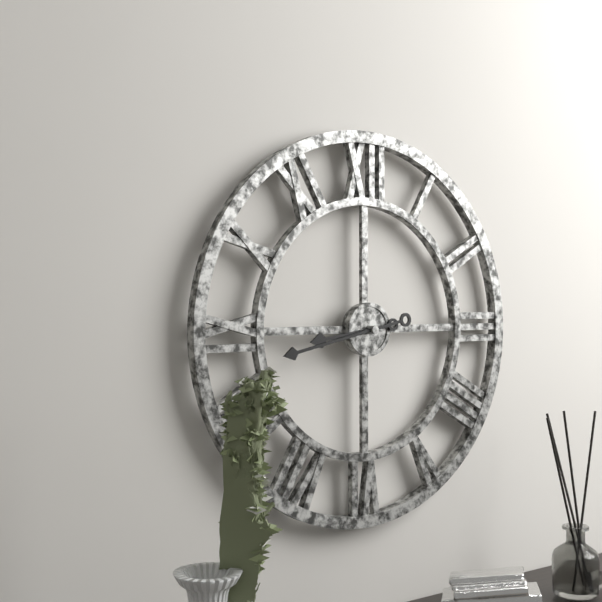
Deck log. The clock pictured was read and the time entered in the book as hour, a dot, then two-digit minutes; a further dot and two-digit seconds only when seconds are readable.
8.43
